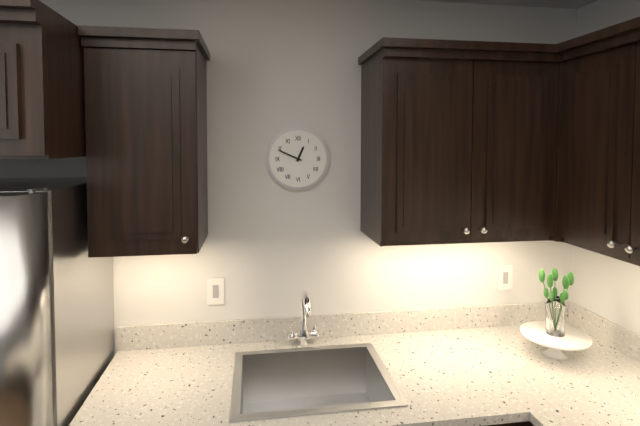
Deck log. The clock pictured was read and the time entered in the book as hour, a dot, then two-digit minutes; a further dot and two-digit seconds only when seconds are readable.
12.49
